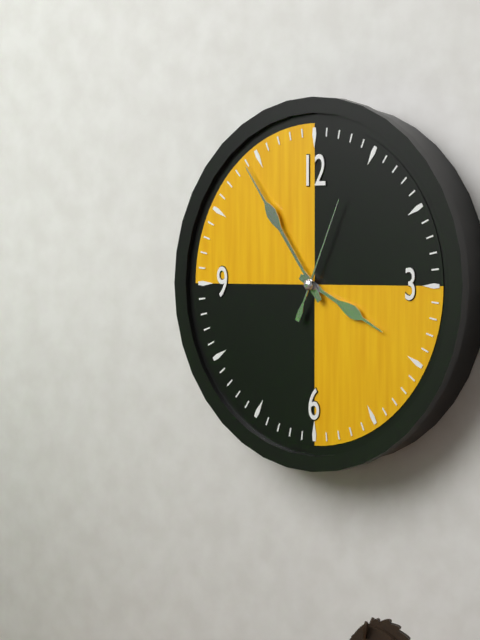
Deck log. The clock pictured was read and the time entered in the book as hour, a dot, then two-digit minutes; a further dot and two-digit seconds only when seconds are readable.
3.54.04
